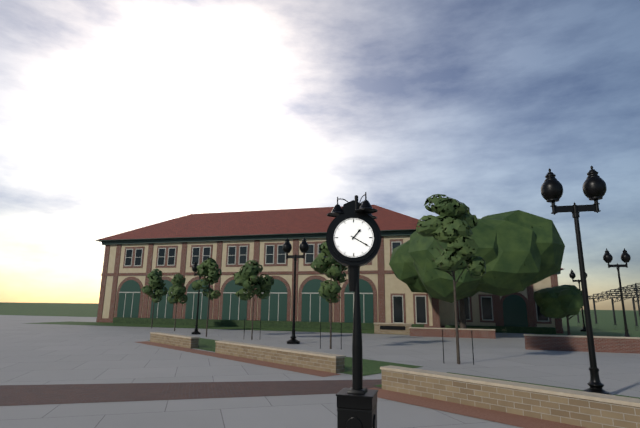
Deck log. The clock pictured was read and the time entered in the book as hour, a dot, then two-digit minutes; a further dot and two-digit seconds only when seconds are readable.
1.20
